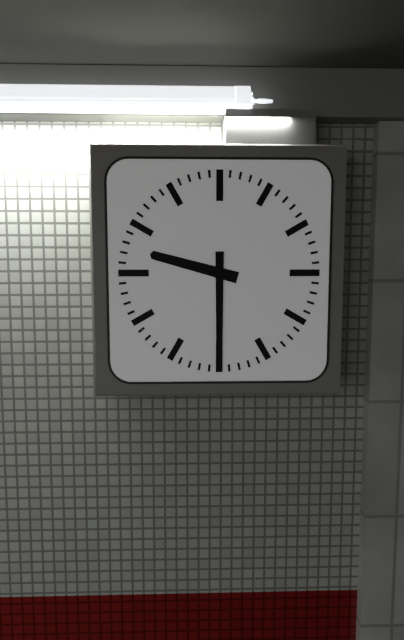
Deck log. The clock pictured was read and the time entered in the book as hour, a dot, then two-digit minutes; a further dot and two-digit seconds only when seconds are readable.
9.30
